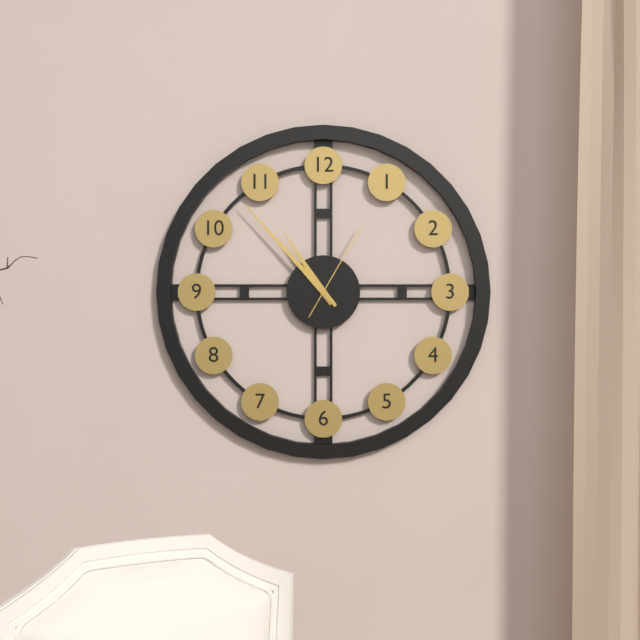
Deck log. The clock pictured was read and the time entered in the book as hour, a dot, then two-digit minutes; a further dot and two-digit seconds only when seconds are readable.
10.53.05
